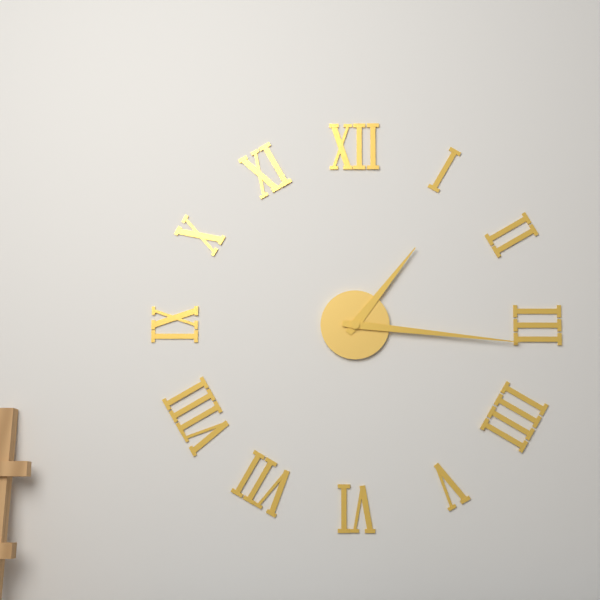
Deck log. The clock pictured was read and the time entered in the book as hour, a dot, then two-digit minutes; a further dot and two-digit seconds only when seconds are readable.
1.16
